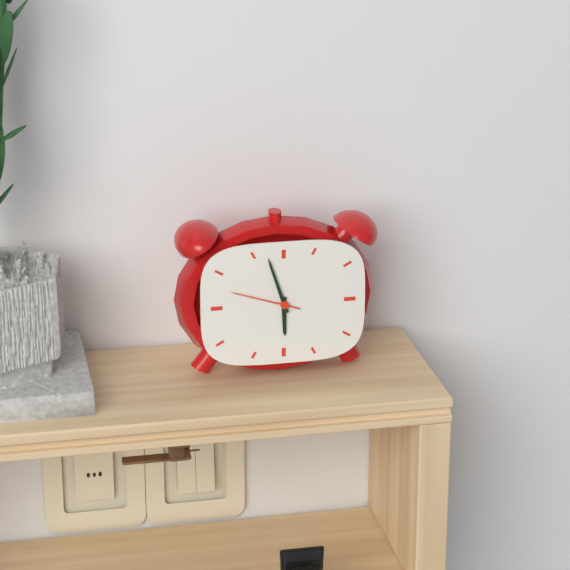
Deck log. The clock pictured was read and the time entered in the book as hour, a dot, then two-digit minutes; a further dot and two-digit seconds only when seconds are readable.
5.57.48
